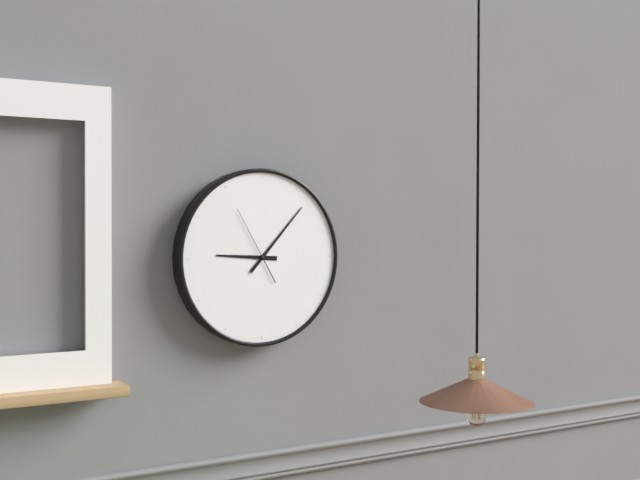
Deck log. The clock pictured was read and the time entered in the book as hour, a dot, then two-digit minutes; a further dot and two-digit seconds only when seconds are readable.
9.07.55
